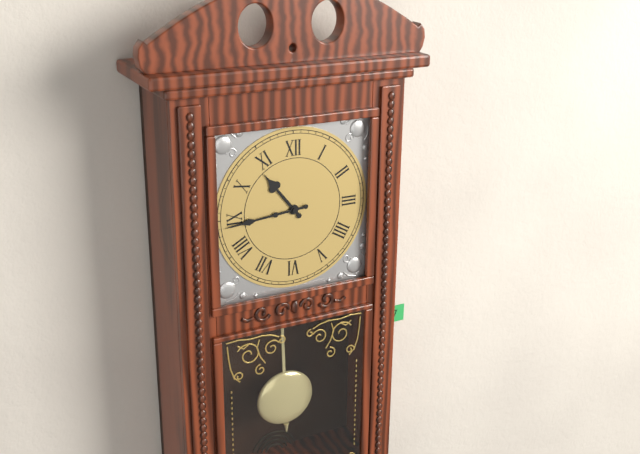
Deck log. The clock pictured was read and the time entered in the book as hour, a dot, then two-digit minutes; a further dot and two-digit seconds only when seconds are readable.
10.44
